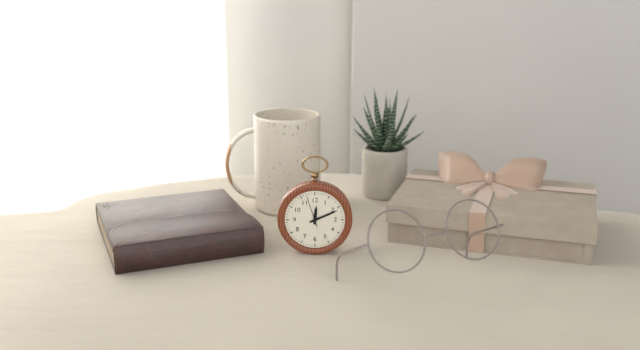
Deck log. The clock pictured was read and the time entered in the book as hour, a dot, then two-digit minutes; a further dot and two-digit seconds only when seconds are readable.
12.11
